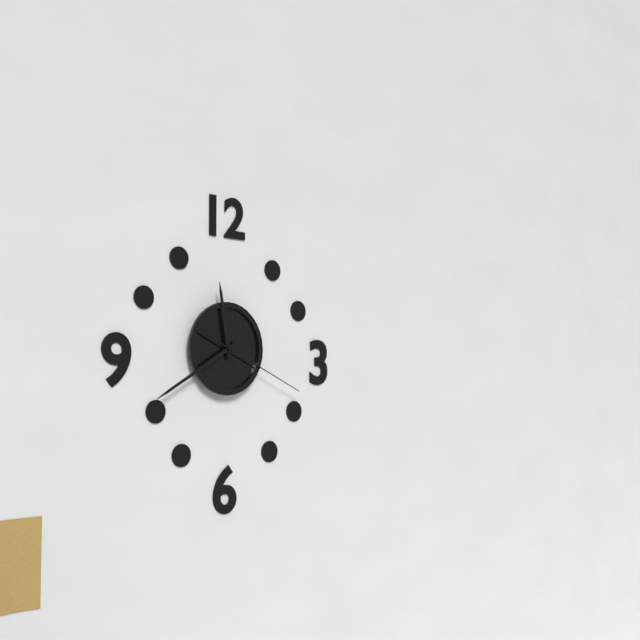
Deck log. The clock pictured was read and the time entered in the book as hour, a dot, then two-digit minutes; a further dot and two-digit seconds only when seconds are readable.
11.40.19
